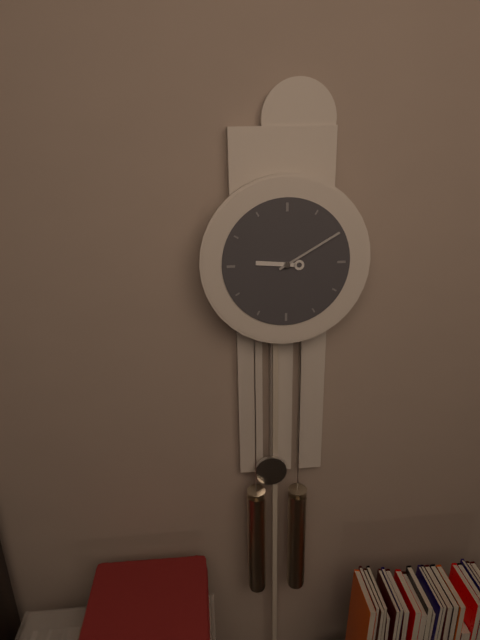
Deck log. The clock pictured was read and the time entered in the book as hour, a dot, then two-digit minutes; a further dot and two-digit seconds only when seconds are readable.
9.10
